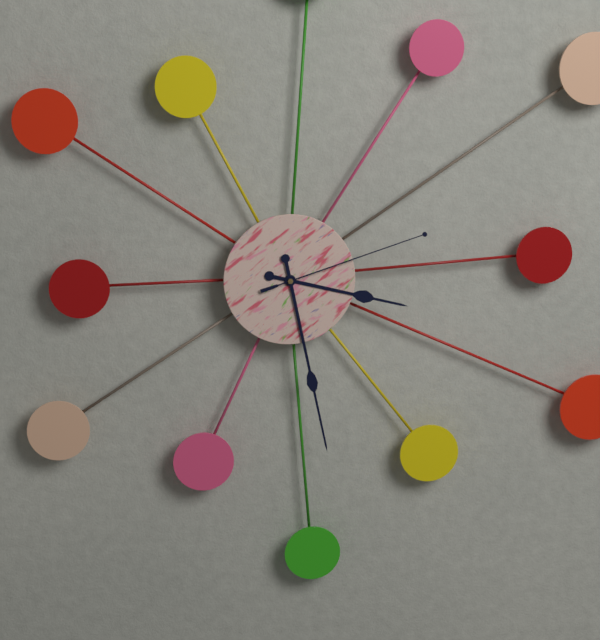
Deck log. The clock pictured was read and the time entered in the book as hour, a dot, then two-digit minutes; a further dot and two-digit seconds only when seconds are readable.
3.28.12
